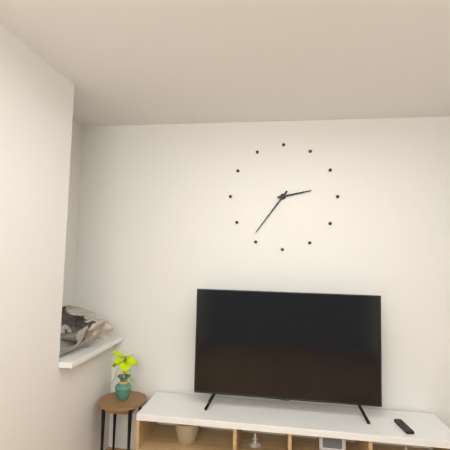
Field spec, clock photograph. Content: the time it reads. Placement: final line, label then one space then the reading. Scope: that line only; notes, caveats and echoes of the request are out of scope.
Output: 2:36
